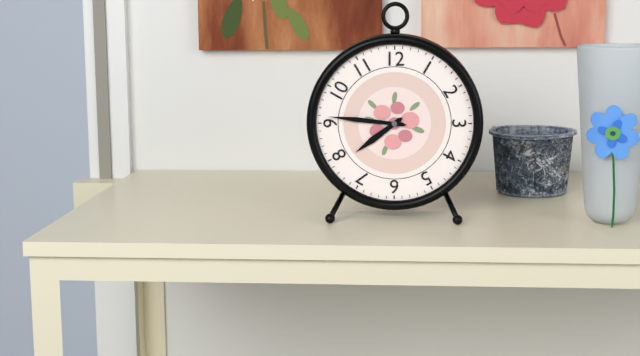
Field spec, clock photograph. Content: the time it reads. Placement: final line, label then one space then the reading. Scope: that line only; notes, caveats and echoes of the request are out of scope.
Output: 7:46
